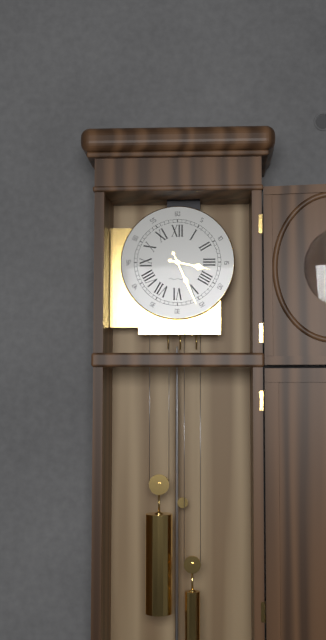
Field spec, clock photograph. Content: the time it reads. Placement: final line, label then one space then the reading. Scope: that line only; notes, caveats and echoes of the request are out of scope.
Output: 3:26
